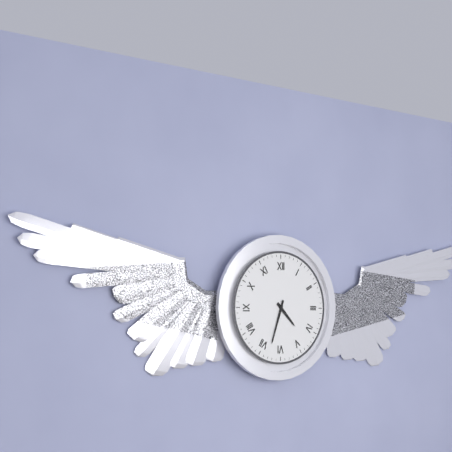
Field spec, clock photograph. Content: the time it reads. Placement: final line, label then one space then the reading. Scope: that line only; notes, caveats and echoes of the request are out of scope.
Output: 4:33
